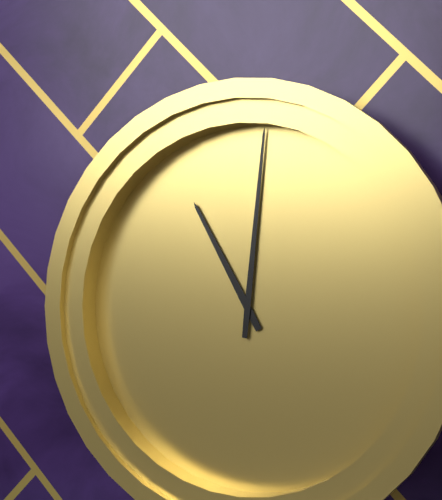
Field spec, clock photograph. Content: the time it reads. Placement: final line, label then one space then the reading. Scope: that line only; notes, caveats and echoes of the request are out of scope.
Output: 11:01
